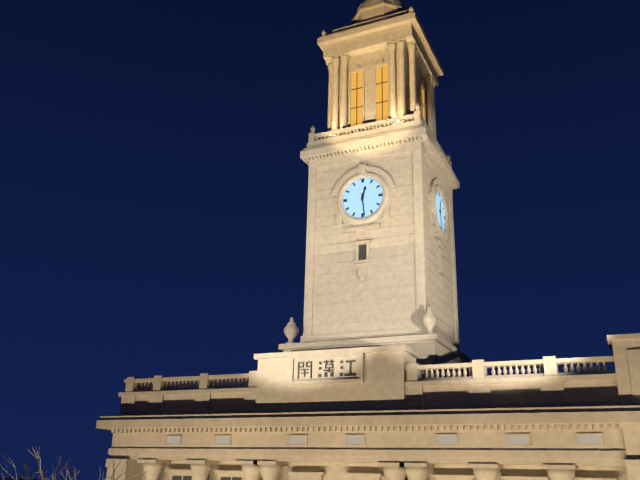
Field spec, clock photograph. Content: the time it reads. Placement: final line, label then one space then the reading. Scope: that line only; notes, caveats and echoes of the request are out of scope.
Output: 12:29
